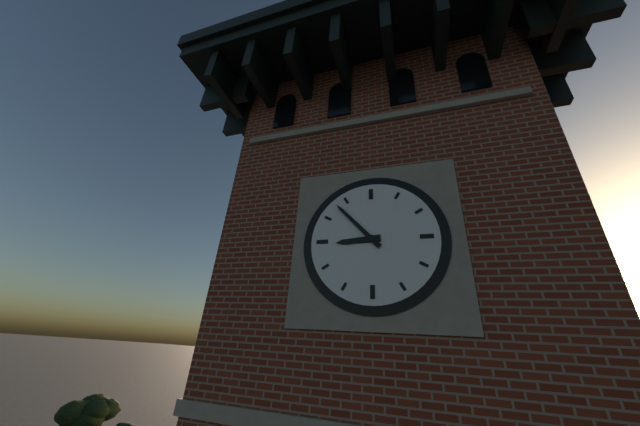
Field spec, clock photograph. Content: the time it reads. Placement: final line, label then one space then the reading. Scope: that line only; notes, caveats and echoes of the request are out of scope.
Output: 8:53
